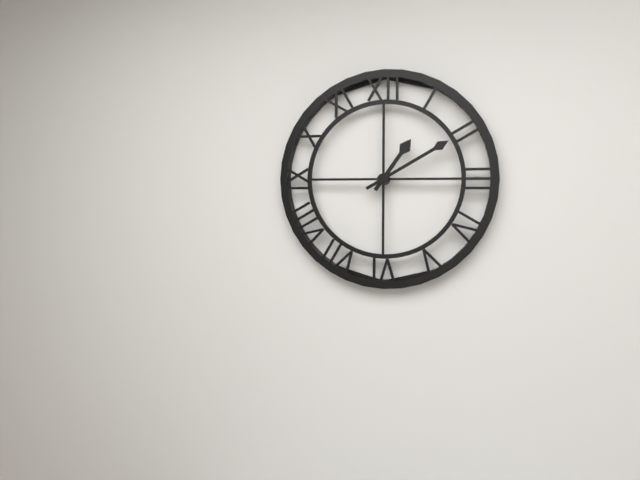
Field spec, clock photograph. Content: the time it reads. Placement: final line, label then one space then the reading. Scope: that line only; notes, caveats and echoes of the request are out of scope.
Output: 1:10
